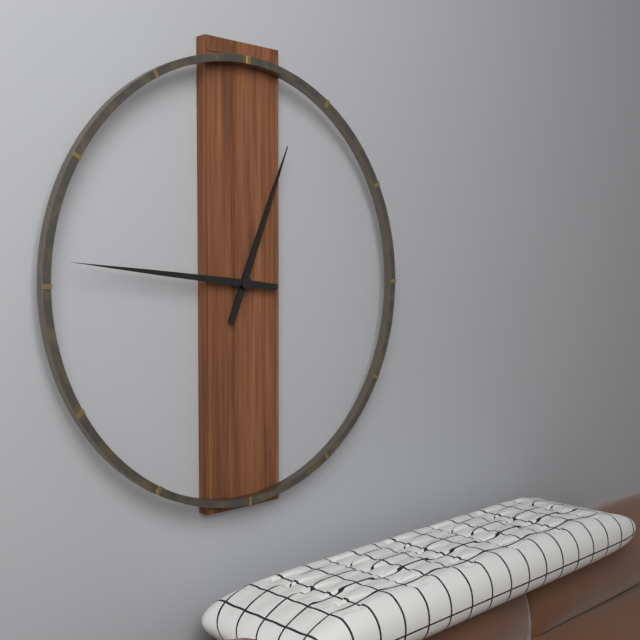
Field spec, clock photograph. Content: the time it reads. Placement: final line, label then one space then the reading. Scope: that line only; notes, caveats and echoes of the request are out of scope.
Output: 12:46
